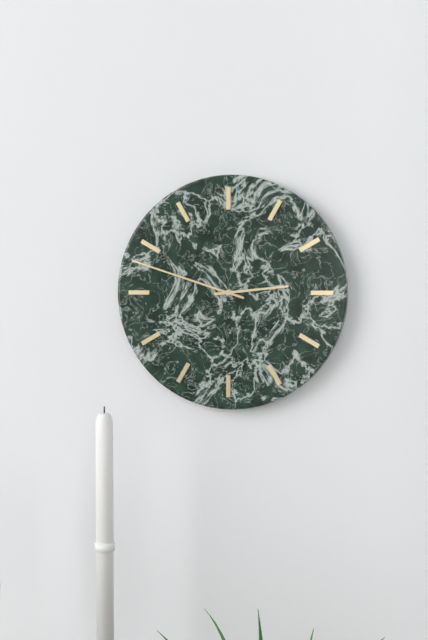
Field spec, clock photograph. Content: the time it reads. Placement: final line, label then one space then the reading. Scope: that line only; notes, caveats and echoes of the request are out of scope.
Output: 2:48
